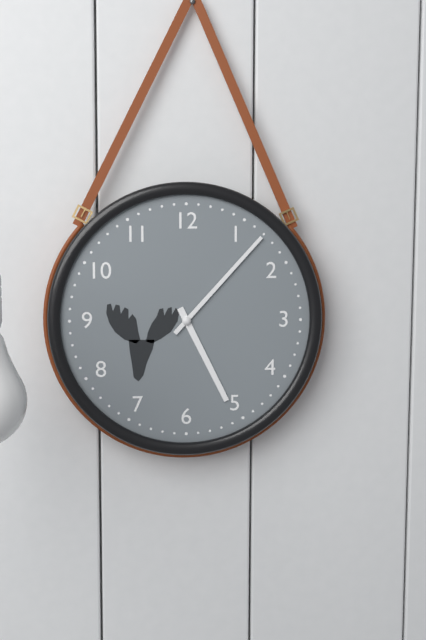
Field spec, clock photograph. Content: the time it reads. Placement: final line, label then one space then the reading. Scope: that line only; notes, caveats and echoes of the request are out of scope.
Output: 5:07
